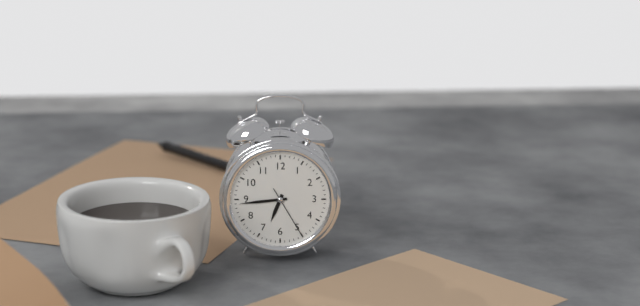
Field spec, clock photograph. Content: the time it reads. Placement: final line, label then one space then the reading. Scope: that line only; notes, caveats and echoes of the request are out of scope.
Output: 6:44:25
